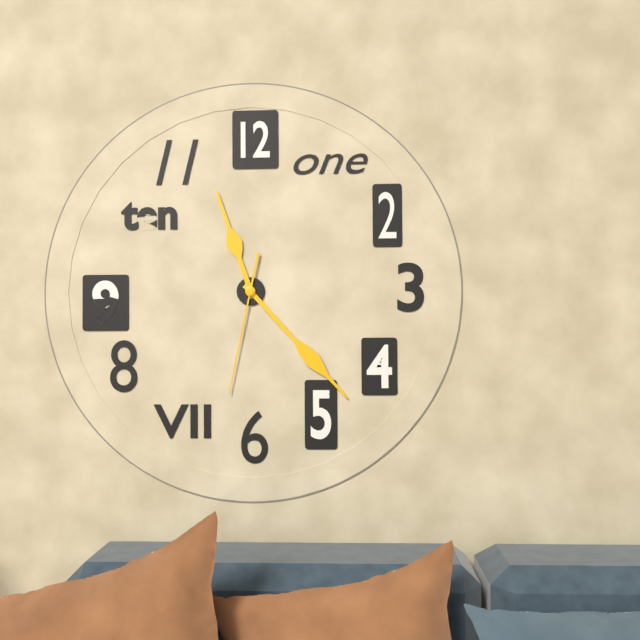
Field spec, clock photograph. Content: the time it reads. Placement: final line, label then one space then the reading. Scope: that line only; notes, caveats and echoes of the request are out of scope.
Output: 11:23:32
